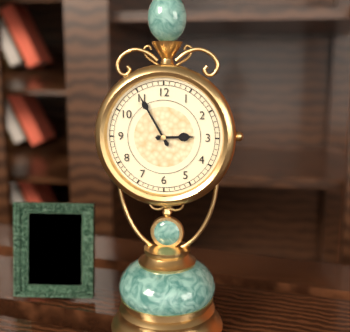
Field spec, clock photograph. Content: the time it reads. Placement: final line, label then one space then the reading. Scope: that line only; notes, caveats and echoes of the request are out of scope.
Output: 2:55
